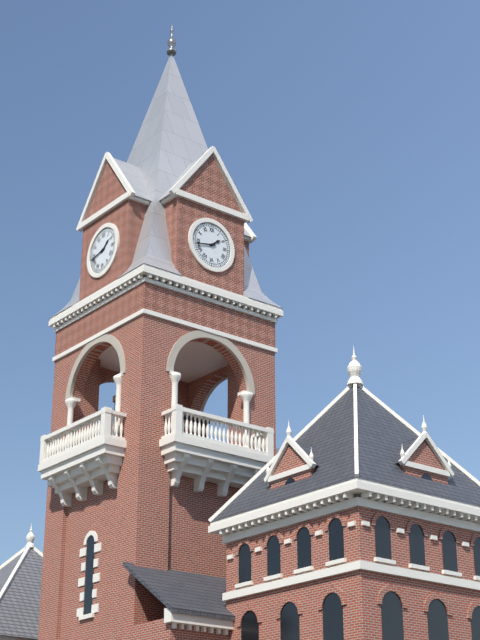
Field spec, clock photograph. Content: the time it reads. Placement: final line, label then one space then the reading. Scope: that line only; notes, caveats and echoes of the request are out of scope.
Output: 1:43
